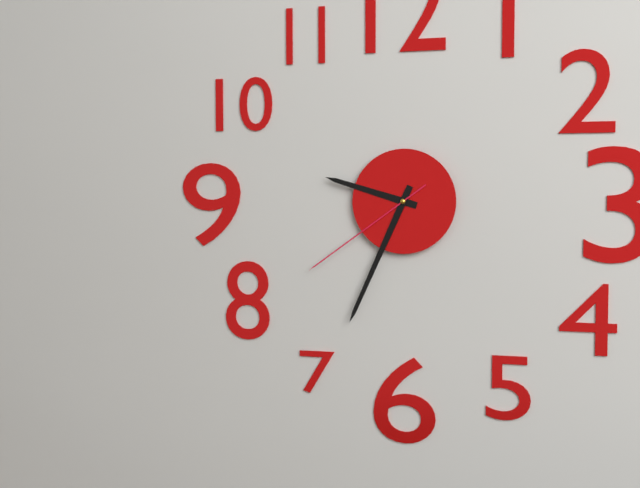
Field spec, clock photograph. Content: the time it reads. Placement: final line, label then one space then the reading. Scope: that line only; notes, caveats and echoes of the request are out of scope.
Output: 9:34:39
